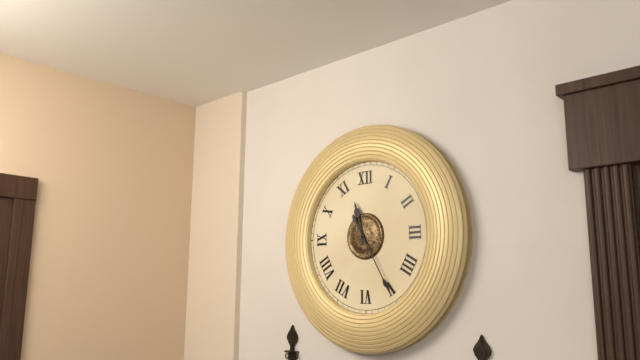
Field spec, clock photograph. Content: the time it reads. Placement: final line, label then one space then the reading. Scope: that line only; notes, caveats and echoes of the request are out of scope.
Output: 11:25
